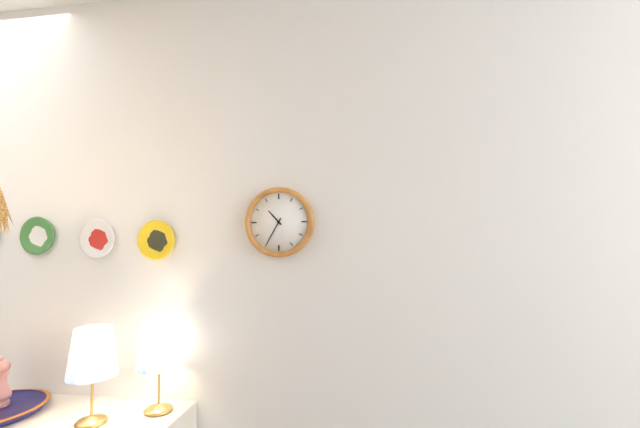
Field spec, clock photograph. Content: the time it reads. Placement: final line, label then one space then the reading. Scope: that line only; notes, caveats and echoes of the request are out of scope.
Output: 10:35
